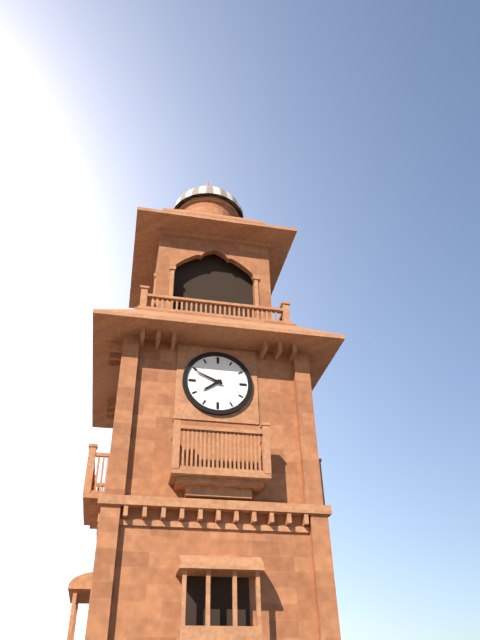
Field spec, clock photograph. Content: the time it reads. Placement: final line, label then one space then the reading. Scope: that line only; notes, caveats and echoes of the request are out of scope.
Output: 7:49
